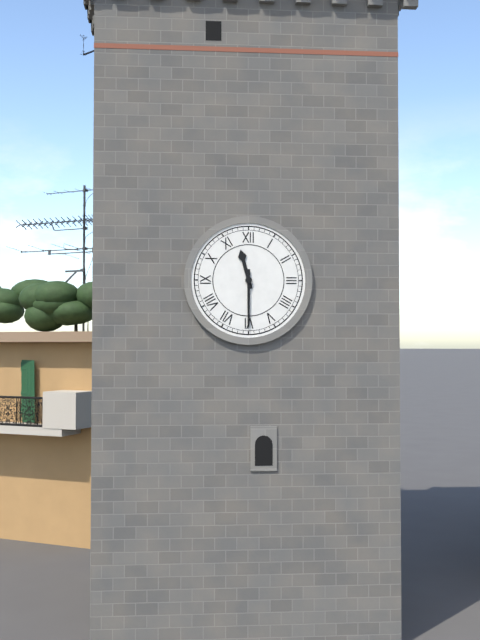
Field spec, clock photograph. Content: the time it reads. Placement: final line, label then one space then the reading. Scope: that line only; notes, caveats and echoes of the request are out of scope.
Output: 11:30
